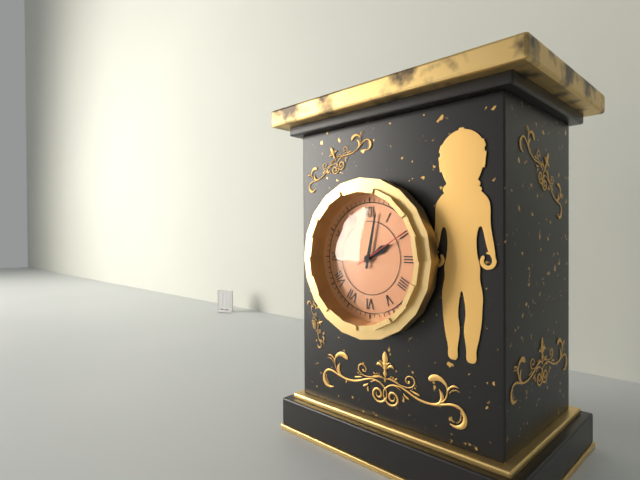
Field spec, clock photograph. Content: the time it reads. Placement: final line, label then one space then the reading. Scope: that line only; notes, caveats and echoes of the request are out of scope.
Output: 2:02:10
